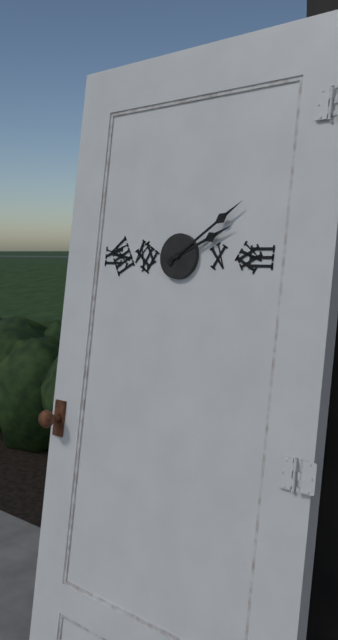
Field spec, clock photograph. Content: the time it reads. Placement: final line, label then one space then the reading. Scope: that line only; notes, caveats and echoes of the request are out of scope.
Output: 2:09
